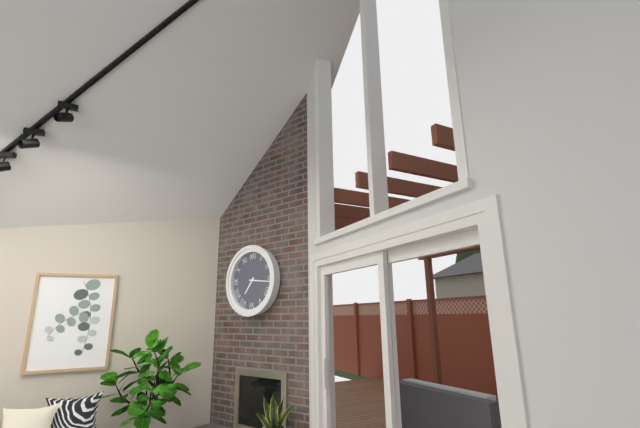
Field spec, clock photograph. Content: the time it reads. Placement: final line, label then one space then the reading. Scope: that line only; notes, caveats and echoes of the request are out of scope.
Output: 7:16
